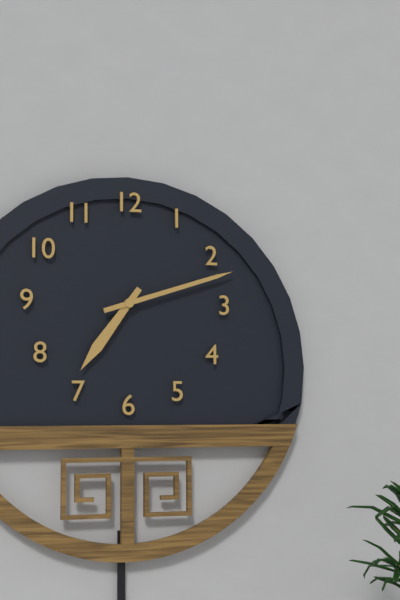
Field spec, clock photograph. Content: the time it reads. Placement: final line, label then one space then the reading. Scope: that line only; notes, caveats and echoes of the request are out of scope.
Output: 7:12
